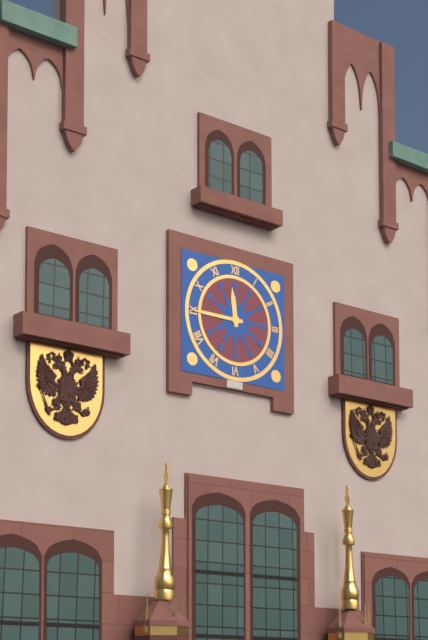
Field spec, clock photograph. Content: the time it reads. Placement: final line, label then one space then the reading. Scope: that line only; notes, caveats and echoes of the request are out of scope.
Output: 11:45
